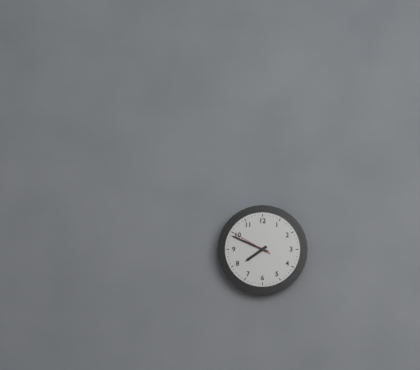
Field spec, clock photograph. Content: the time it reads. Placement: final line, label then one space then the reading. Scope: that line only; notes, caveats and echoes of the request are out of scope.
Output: 7:49
